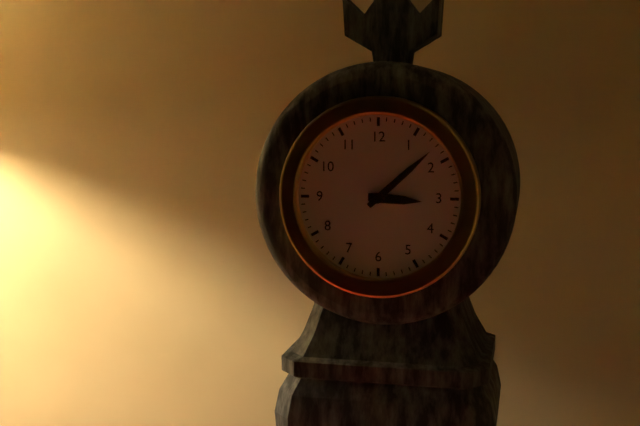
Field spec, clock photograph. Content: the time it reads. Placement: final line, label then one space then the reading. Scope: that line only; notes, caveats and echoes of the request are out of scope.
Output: 3:08
